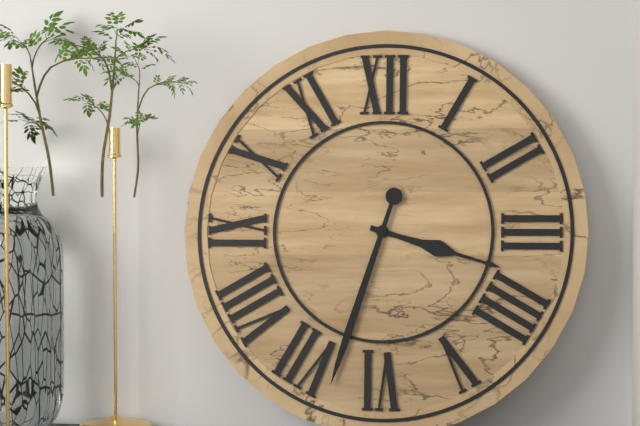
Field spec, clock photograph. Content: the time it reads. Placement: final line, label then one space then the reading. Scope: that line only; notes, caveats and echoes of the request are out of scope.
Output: 3:33
